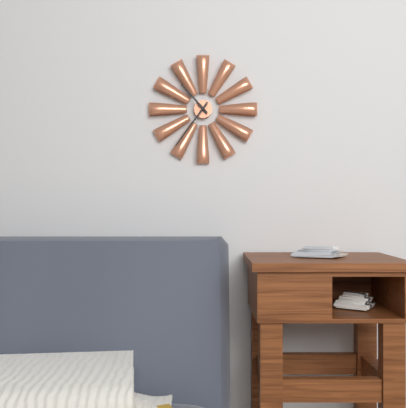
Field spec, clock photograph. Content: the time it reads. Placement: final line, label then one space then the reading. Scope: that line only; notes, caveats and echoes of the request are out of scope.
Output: 10:36
